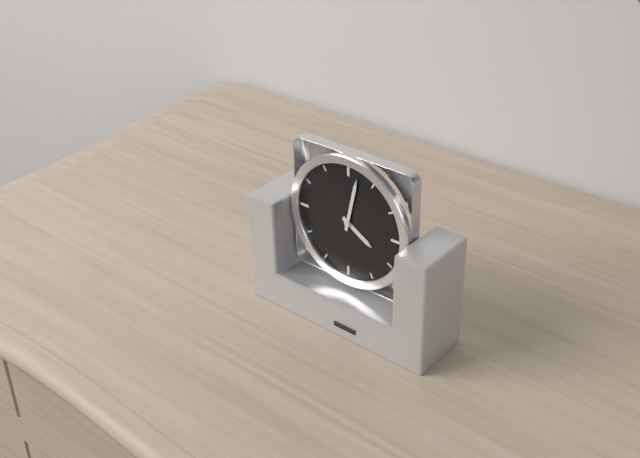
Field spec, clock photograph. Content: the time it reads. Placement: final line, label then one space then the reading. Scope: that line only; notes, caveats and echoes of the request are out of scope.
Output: 4:02
